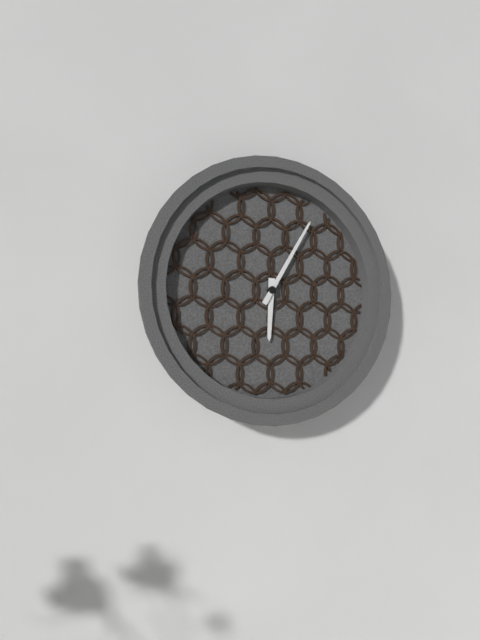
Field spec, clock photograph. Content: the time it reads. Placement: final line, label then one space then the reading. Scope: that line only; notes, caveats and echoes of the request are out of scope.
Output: 6:05
